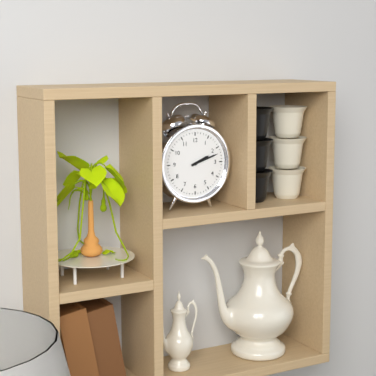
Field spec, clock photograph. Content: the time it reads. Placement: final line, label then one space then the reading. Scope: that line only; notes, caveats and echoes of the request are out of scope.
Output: 2:12
